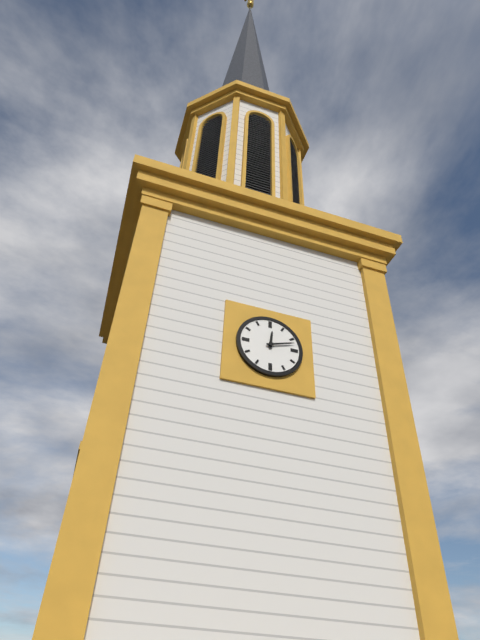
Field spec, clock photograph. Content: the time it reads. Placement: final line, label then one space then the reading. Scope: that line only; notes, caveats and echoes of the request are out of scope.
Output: 12:12
